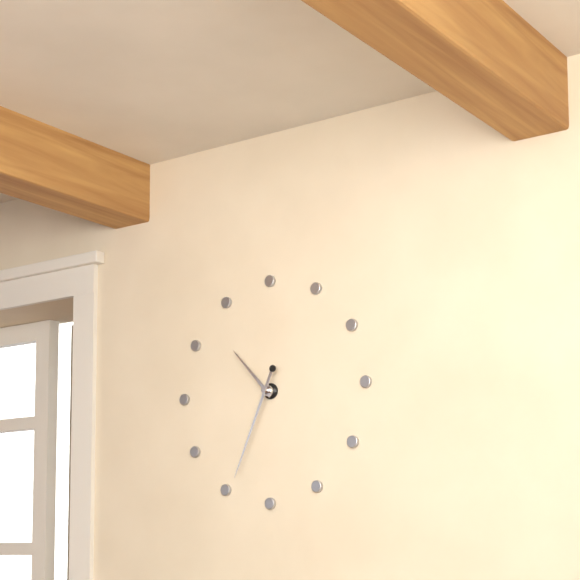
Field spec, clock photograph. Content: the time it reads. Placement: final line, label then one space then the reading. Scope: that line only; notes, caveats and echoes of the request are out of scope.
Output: 10:34
